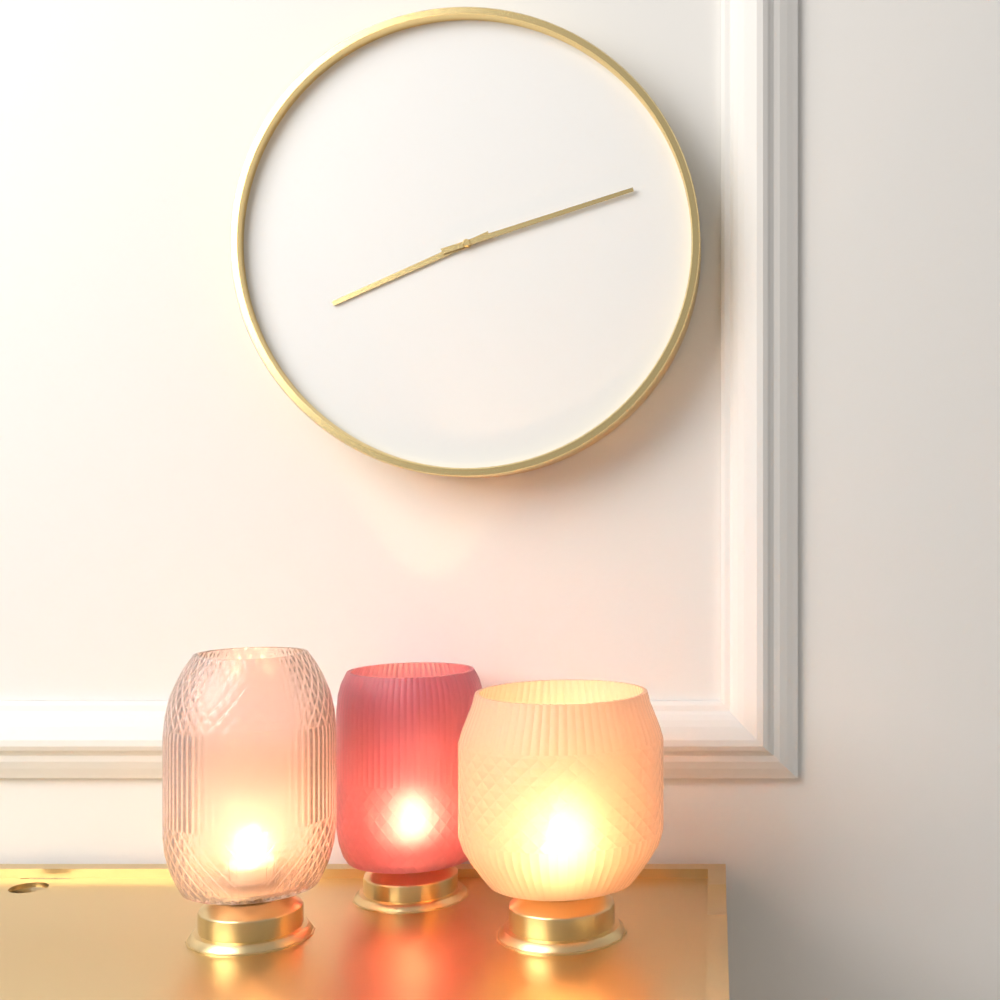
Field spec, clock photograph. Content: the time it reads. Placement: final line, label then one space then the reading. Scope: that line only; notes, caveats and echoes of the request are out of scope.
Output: 8:12
